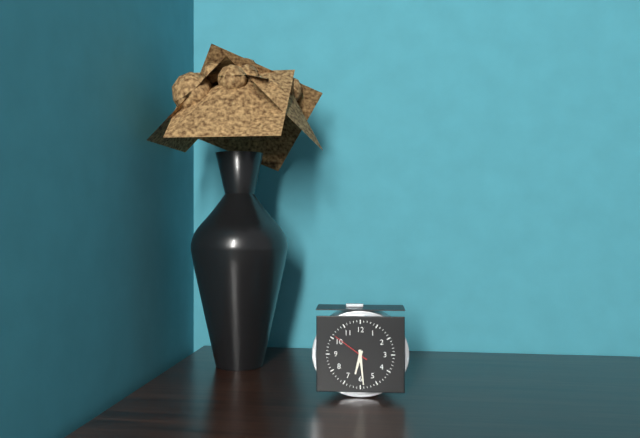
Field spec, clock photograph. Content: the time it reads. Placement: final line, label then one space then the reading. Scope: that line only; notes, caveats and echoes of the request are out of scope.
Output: 6:29
